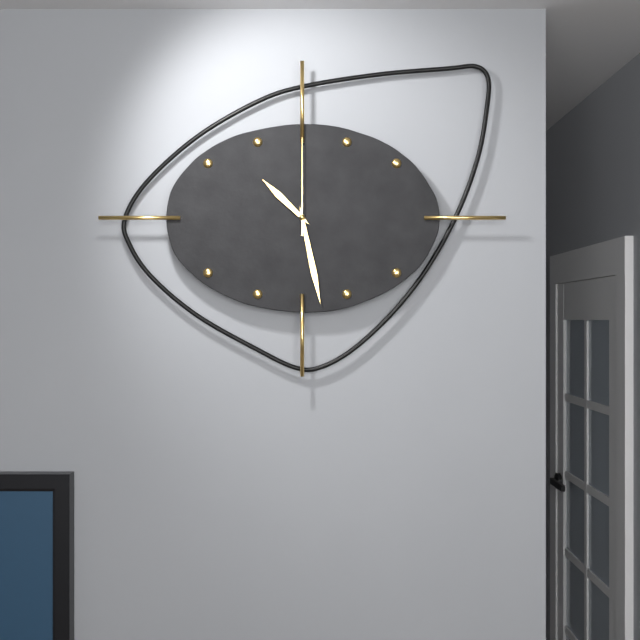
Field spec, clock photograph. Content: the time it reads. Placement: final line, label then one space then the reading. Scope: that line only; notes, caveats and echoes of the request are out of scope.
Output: 10:28:00
